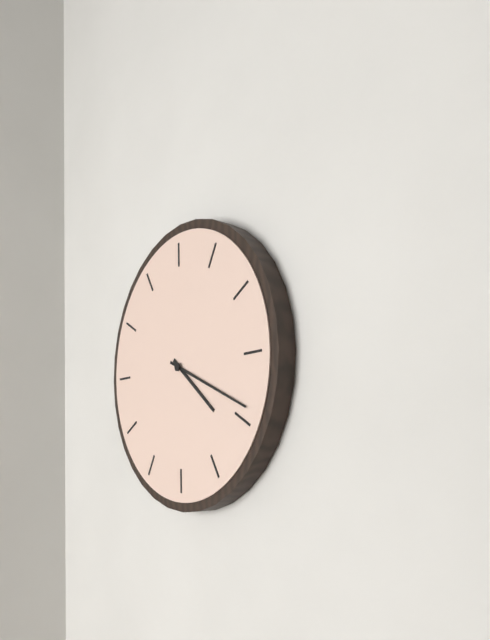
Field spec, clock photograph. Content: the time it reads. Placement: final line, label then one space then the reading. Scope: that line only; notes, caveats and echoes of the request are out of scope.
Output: 4:19
